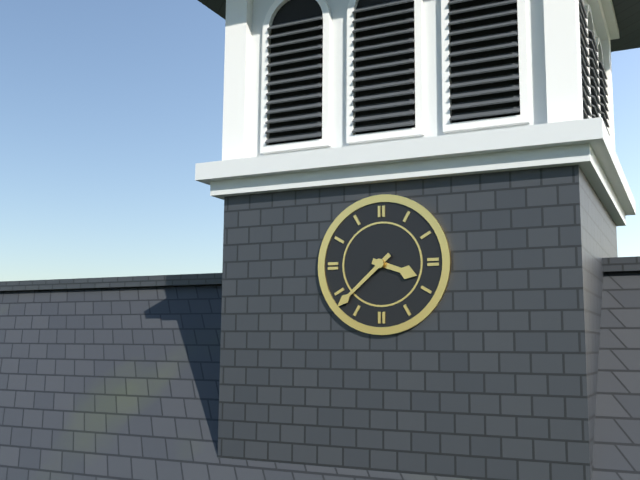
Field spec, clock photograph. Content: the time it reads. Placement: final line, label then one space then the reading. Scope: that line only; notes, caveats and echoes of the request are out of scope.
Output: 3:38
